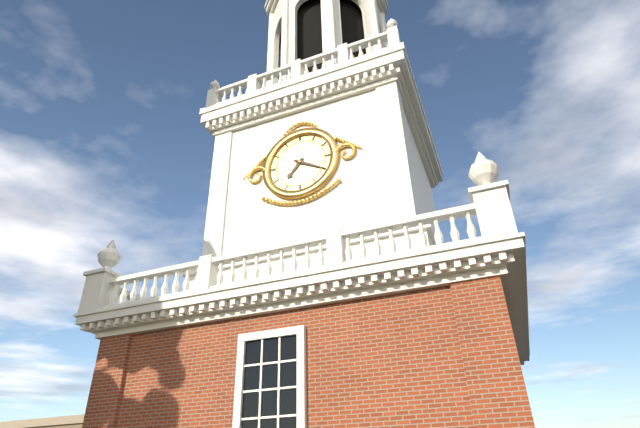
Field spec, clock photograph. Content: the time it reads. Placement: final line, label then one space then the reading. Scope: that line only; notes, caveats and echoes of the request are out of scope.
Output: 7:20
